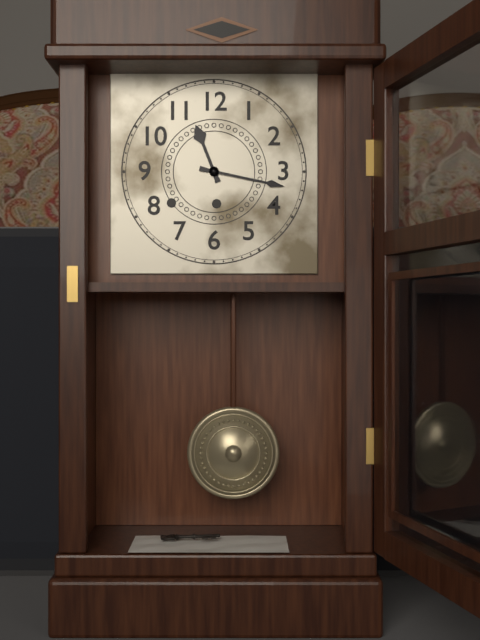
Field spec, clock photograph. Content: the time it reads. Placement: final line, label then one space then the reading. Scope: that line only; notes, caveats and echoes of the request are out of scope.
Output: 11:17
